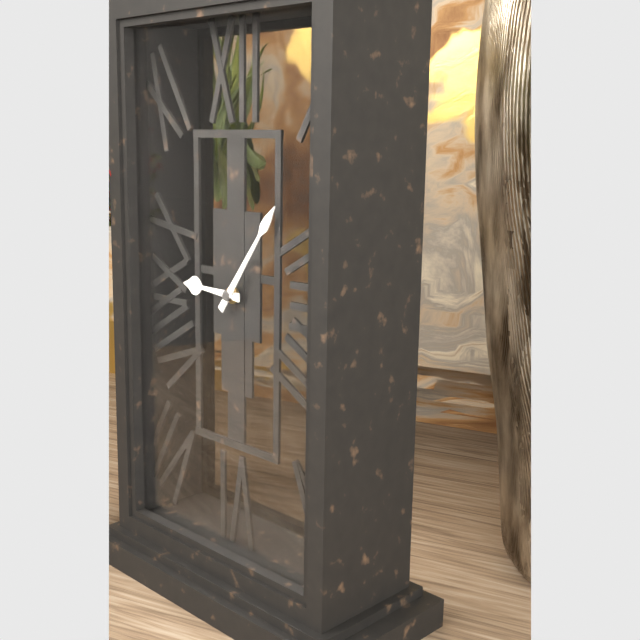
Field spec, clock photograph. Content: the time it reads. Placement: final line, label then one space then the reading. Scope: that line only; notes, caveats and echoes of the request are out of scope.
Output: 9:06
